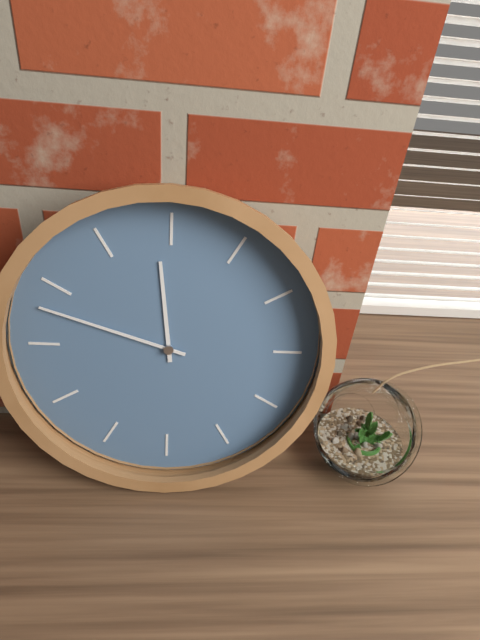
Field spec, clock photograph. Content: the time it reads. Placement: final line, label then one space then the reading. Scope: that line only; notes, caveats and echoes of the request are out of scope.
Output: 11:48
